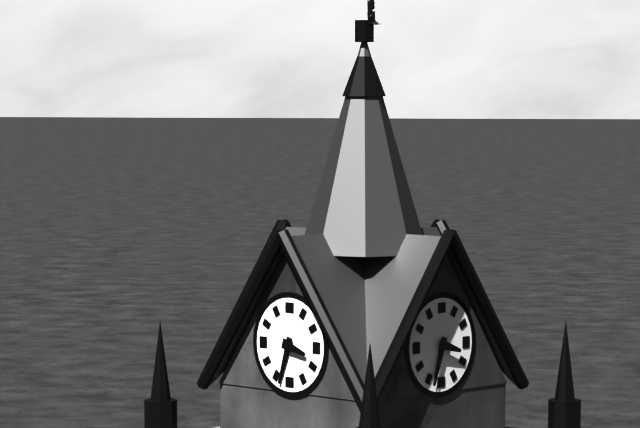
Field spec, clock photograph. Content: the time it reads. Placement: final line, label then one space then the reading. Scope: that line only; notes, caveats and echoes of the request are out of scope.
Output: 3:33
